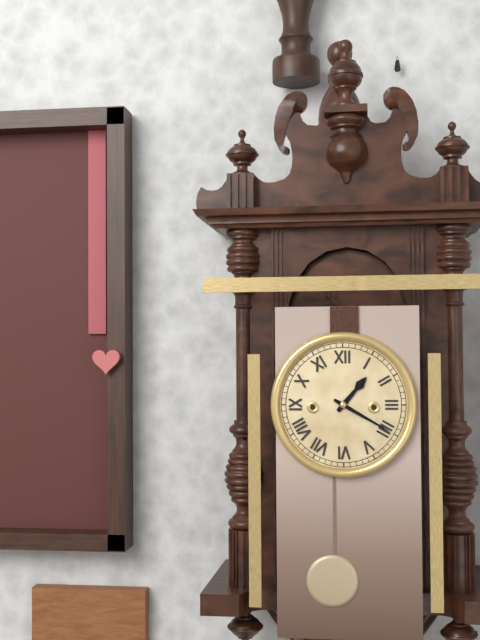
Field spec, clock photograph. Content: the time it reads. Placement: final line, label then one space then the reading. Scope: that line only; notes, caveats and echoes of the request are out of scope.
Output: 1:20
